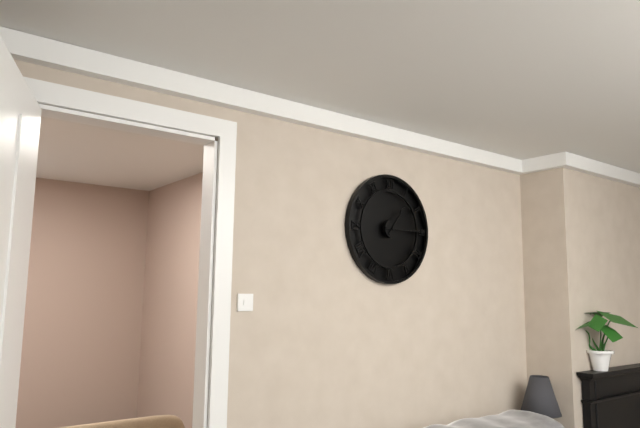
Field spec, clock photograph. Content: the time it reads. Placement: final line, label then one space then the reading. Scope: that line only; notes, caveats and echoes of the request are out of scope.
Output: 1:15
